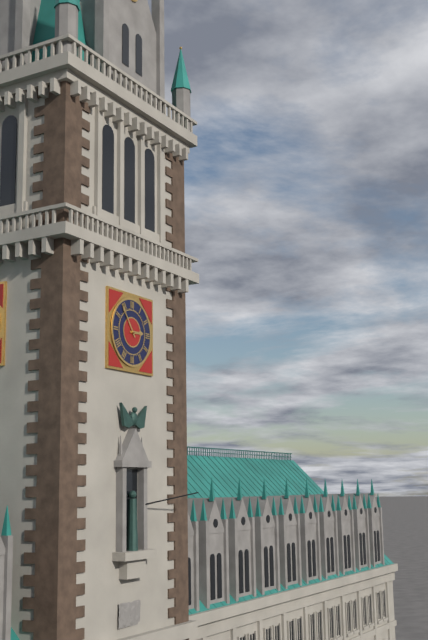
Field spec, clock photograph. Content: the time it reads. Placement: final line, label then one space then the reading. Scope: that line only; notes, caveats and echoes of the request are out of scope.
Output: 2:54
